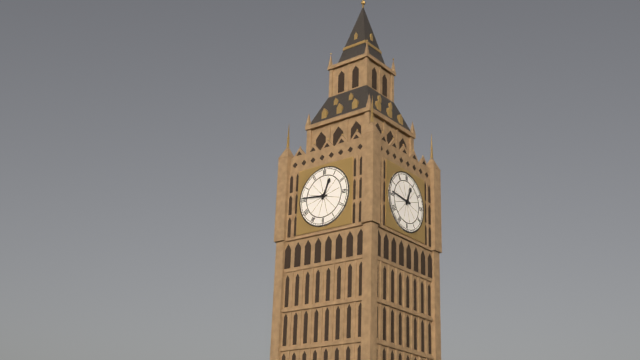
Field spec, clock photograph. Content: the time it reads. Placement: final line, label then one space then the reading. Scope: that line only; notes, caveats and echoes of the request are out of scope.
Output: 12:46
